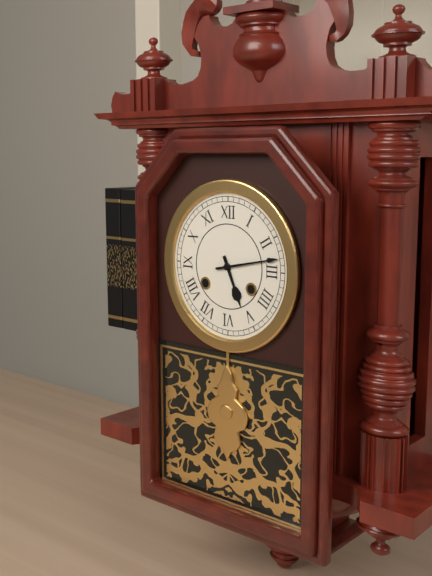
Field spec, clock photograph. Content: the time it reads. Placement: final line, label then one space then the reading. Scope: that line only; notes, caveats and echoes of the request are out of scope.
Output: 5:13
